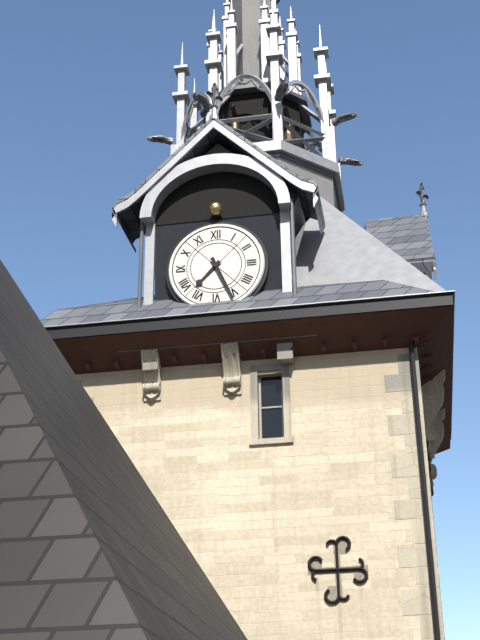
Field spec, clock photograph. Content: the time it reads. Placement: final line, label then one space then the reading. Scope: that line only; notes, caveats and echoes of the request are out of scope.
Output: 7:26
